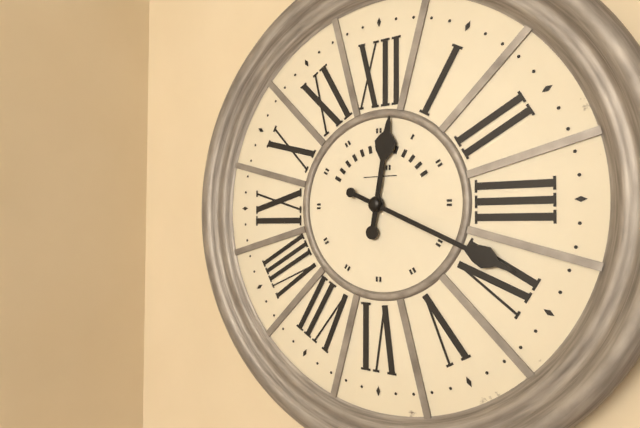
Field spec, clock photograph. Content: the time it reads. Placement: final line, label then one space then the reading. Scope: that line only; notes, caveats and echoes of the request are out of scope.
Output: 12:19
